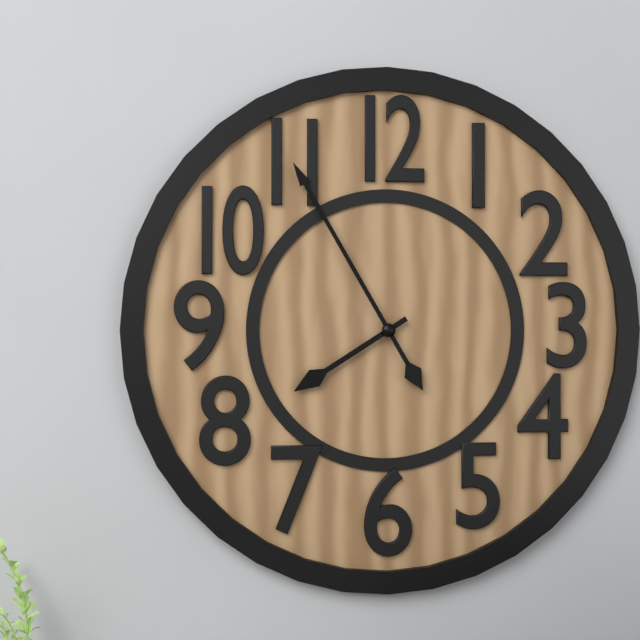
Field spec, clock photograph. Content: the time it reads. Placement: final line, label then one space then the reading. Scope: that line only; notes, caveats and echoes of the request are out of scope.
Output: 7:55
